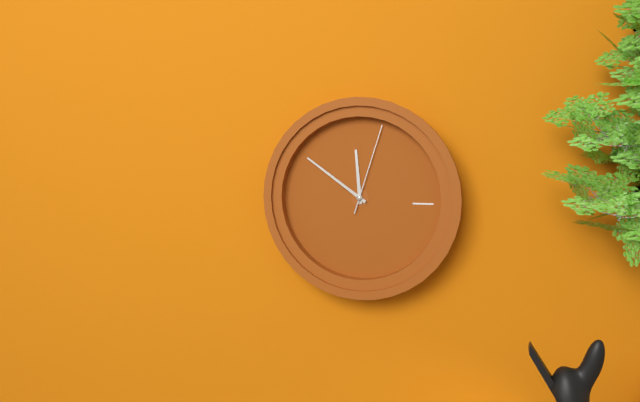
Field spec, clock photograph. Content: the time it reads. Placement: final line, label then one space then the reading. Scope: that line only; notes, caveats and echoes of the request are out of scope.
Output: 11:51:03
